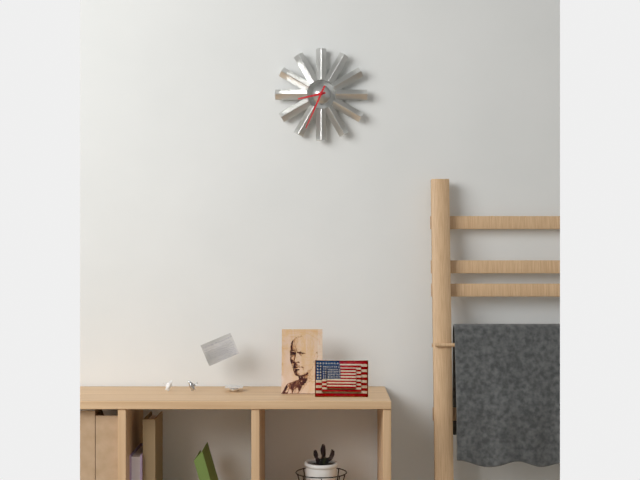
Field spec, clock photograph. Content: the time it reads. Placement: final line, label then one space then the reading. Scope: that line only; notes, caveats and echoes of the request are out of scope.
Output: 8:34
